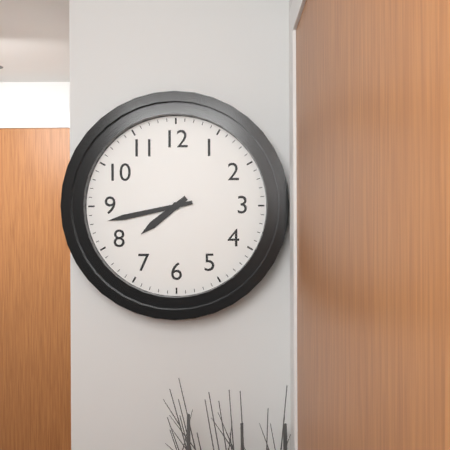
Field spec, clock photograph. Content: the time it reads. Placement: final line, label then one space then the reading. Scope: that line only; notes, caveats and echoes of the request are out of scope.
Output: 7:43
